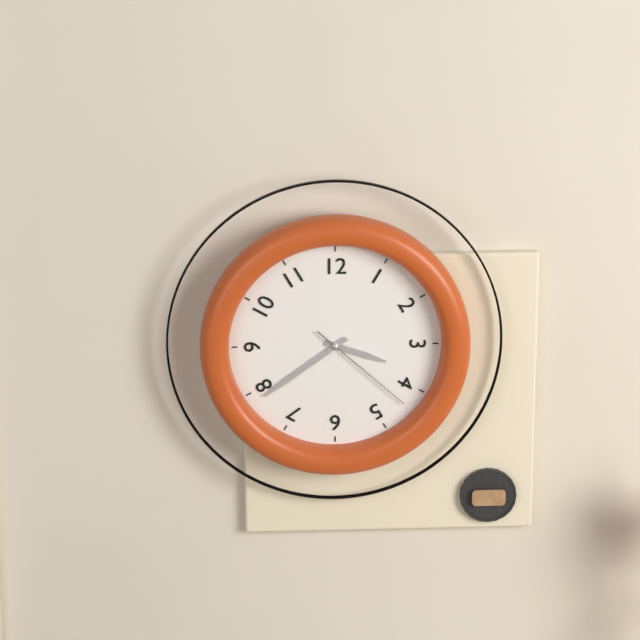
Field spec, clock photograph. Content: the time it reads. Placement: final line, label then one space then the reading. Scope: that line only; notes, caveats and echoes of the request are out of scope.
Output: 3:39:22
